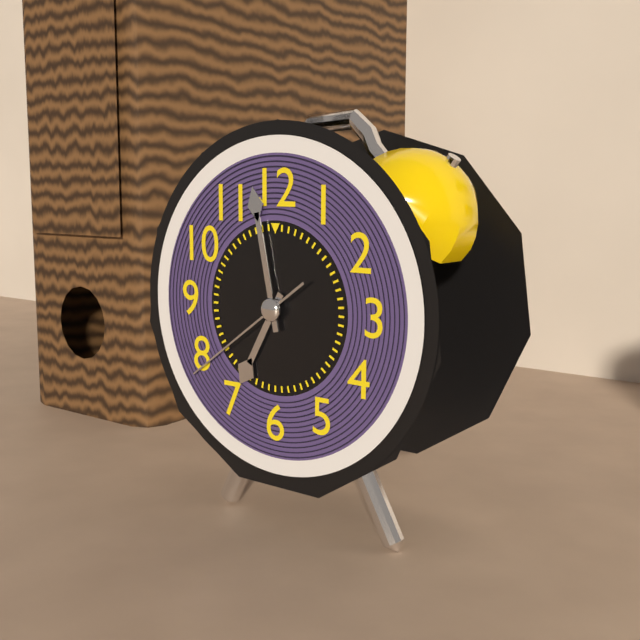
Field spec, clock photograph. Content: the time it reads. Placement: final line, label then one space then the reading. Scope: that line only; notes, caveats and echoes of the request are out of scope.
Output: 6:58:39
